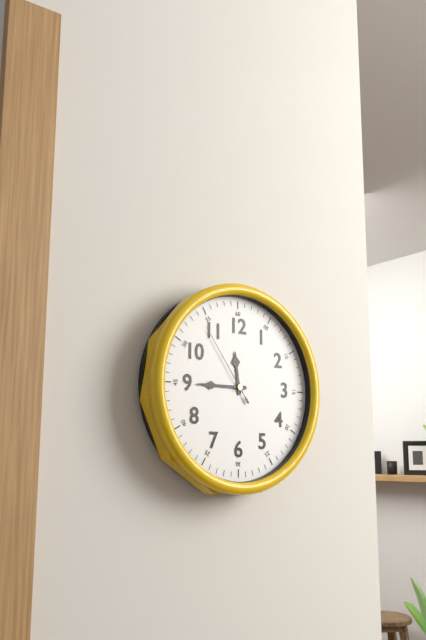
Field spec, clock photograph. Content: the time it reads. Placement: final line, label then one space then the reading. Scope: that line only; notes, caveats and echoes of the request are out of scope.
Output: 11:45:54
